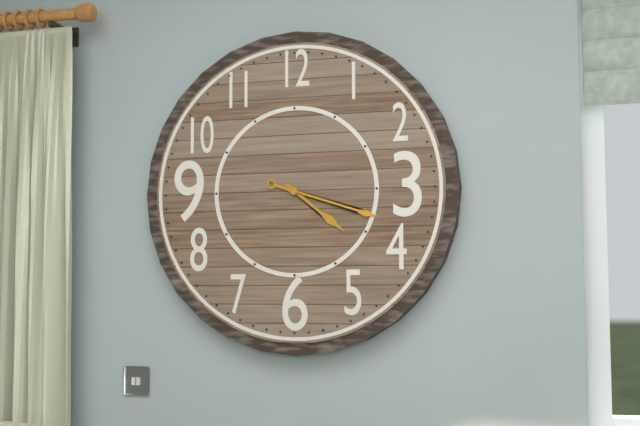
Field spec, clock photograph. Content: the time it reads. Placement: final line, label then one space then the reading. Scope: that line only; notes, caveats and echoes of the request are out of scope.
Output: 4:18
